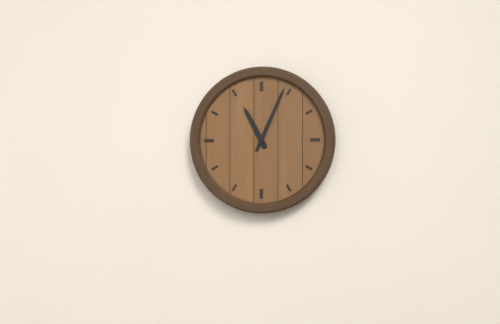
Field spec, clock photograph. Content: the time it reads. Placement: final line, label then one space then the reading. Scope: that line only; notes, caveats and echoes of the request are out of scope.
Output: 11:04
